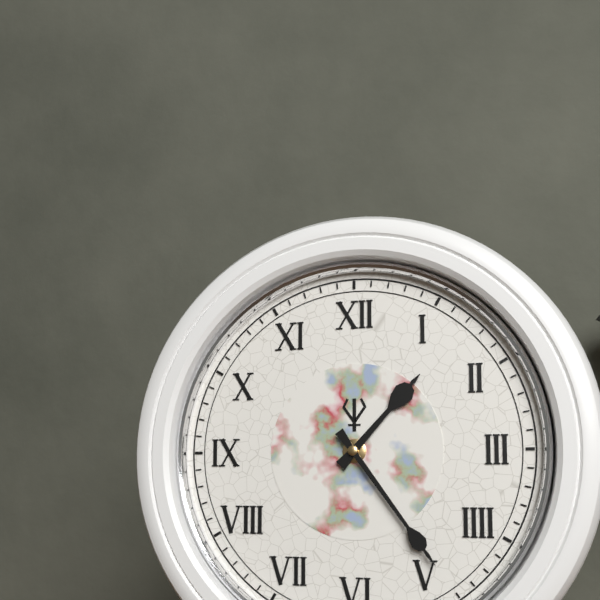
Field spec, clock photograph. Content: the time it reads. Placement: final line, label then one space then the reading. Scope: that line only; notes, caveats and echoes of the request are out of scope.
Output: 1:24
